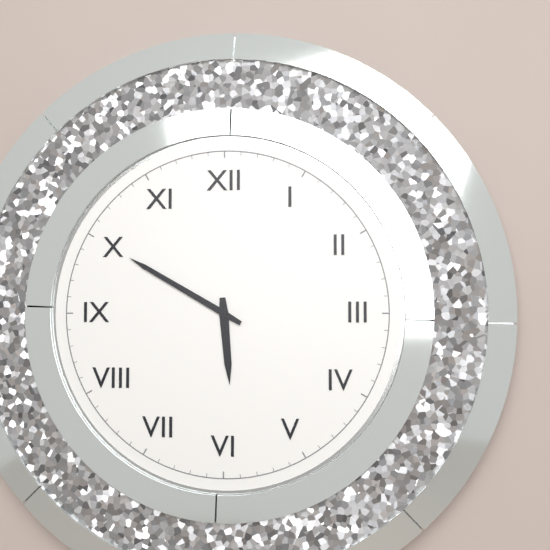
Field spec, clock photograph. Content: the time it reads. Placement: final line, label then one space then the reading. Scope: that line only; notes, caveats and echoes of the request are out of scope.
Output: 5:50
